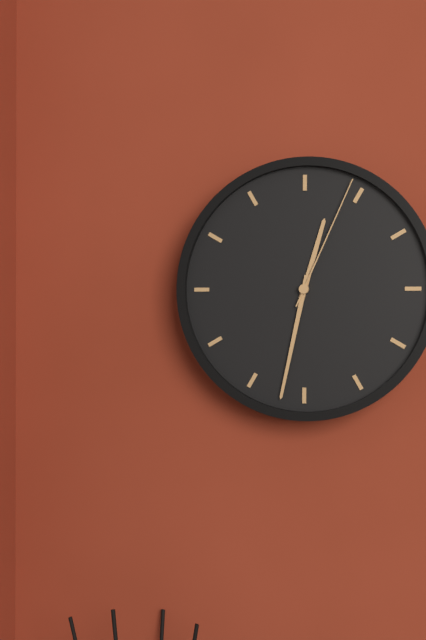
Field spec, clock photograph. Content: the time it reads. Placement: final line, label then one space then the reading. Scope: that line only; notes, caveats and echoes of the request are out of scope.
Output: 12:32:04
